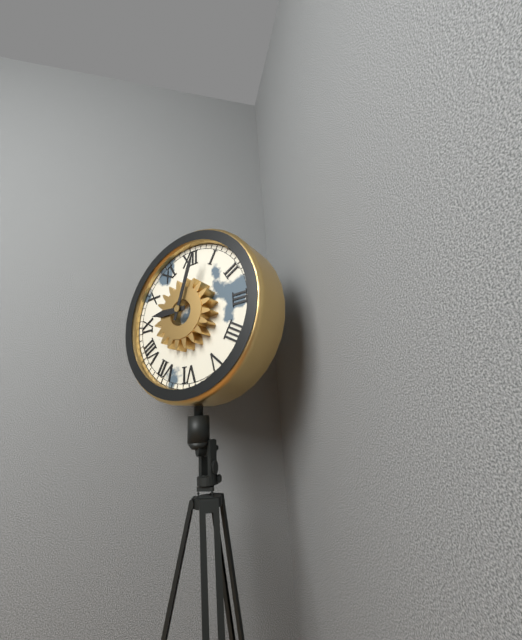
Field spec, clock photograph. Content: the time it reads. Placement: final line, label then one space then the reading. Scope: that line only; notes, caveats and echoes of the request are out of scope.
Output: 9:03
